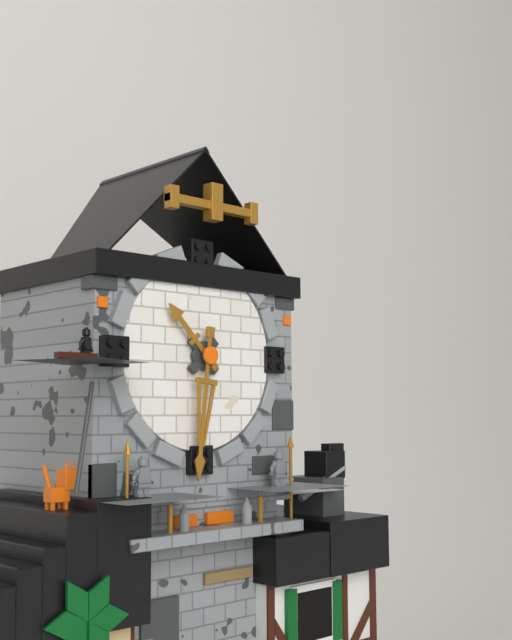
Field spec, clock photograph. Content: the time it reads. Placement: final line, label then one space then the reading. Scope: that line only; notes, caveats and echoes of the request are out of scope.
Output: 10:31
